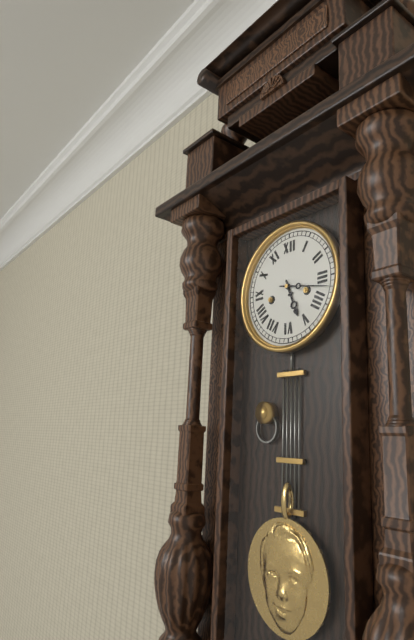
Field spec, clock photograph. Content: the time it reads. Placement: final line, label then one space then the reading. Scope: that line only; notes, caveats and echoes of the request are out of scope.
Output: 5:17
